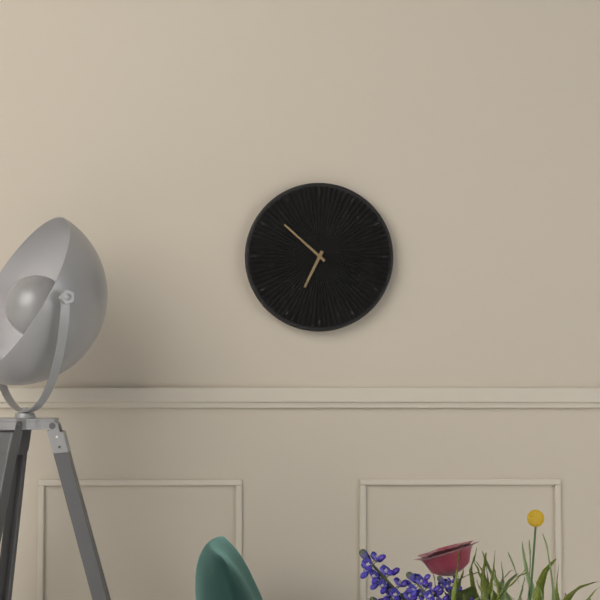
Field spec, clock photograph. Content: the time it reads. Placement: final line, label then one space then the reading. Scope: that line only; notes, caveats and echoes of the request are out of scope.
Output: 6:52
